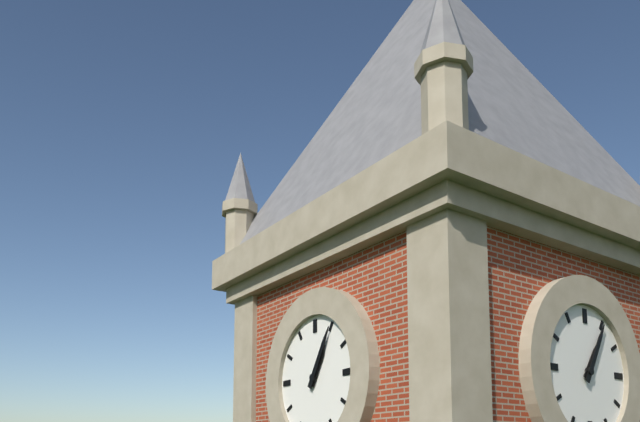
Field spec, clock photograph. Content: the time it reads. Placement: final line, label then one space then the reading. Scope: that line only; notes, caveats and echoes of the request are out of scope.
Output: 1:05
